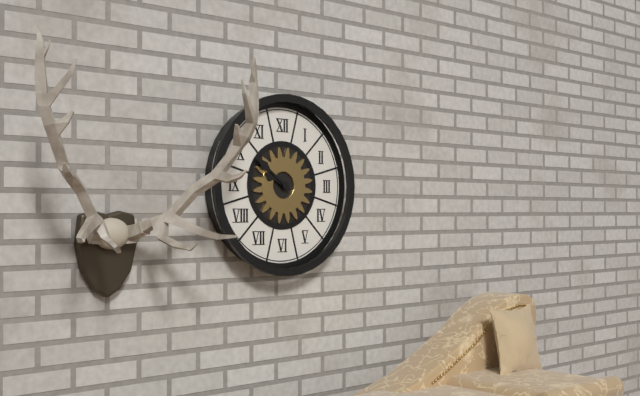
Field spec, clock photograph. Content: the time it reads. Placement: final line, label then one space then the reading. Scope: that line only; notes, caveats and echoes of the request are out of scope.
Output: 9:51
